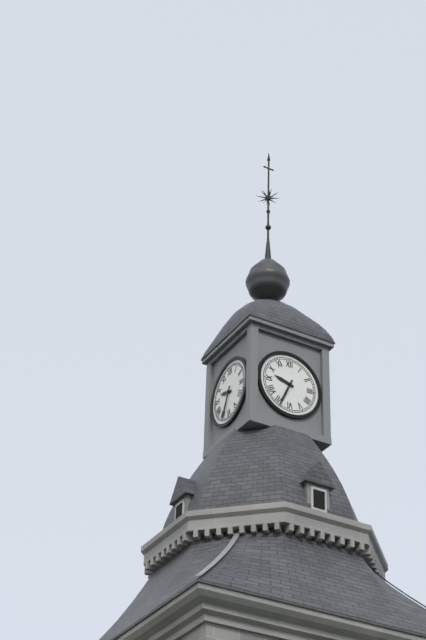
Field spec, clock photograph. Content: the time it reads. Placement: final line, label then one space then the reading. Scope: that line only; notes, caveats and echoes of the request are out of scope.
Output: 9:34
